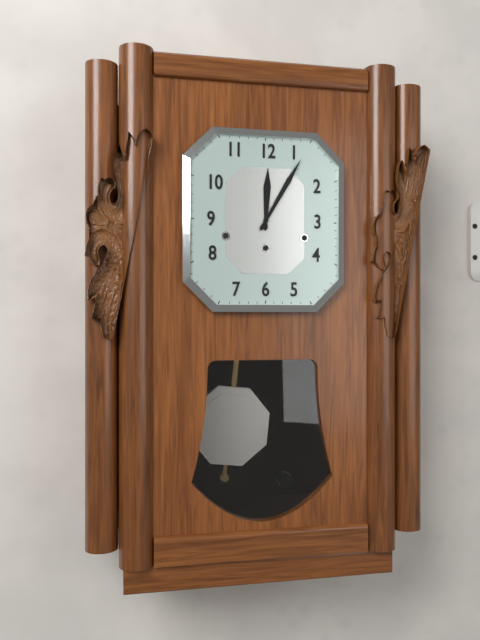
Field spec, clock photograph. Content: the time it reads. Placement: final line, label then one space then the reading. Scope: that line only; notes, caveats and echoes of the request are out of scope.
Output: 12:05
